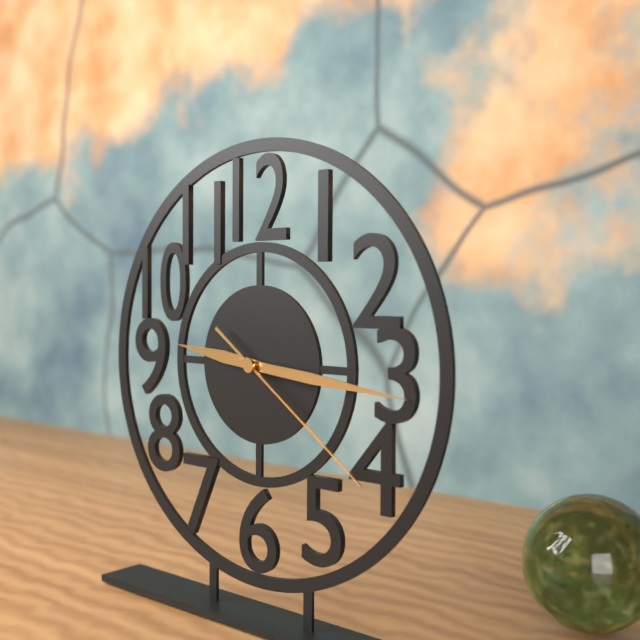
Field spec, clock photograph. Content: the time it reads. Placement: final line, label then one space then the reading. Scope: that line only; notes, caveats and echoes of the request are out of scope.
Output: 9:16:21
